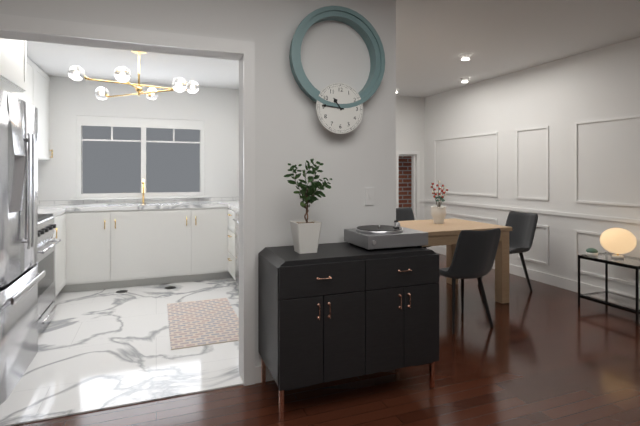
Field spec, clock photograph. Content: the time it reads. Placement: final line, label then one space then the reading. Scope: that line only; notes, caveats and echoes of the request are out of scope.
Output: 10:46
